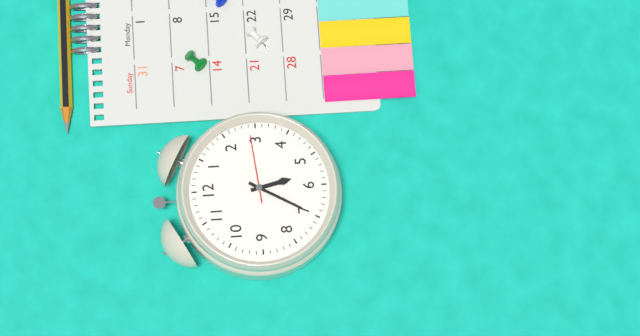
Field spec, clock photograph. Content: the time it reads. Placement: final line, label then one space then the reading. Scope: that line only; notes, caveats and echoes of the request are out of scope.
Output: 5:35:14
